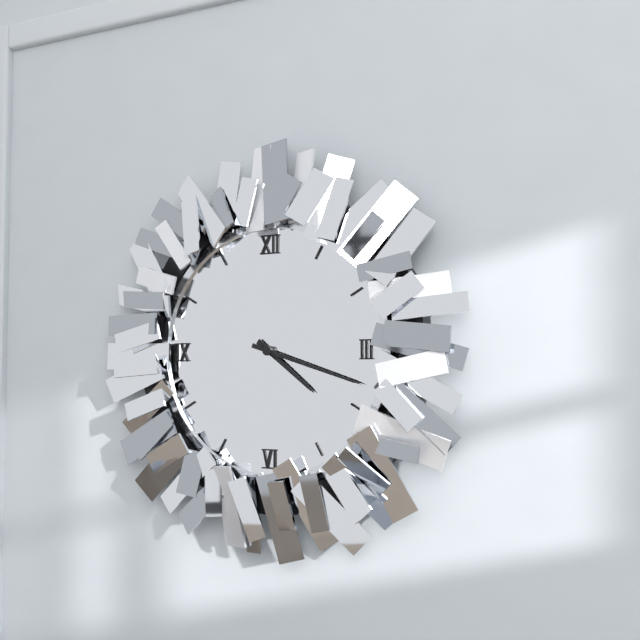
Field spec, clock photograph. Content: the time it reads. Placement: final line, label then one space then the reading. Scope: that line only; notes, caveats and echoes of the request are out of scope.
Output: 4:18
